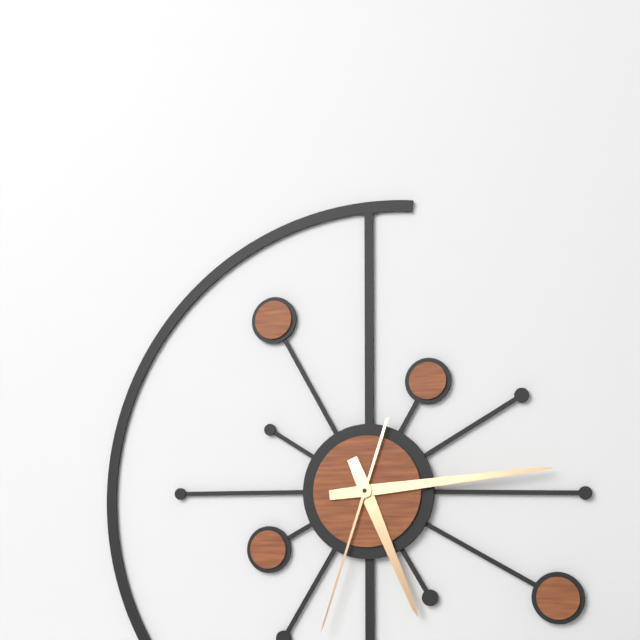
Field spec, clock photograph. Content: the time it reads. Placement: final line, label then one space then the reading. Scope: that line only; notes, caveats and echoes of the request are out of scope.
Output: 5:14:33
